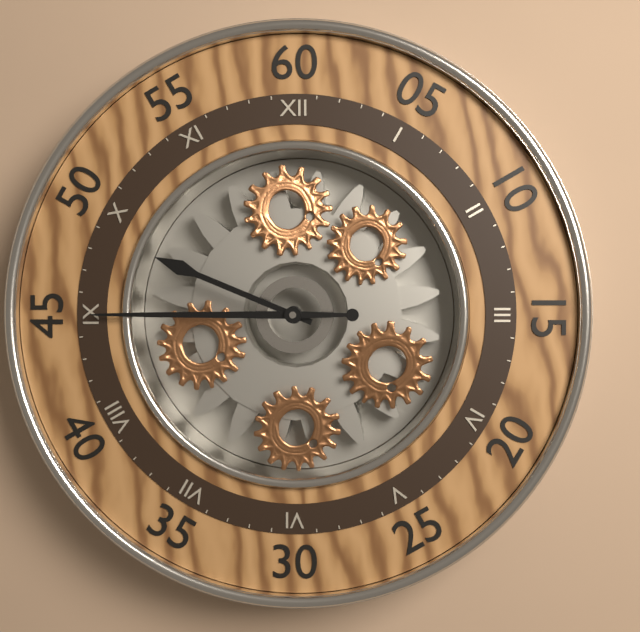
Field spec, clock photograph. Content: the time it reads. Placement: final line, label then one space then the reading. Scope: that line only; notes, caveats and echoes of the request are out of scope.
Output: 9:45
